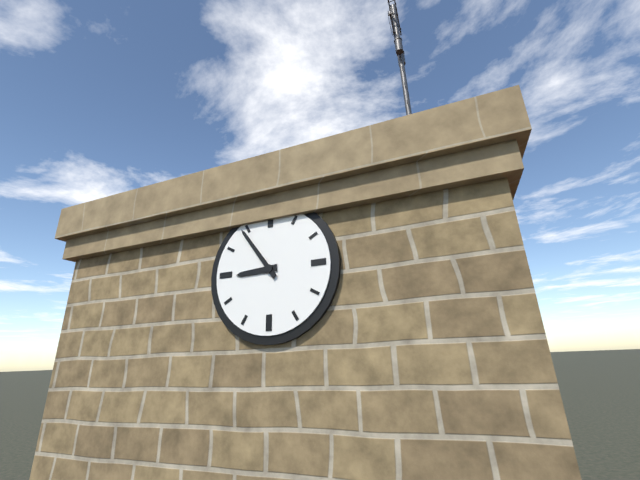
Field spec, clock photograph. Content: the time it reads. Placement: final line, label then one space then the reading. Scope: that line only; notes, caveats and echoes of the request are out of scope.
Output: 8:54
